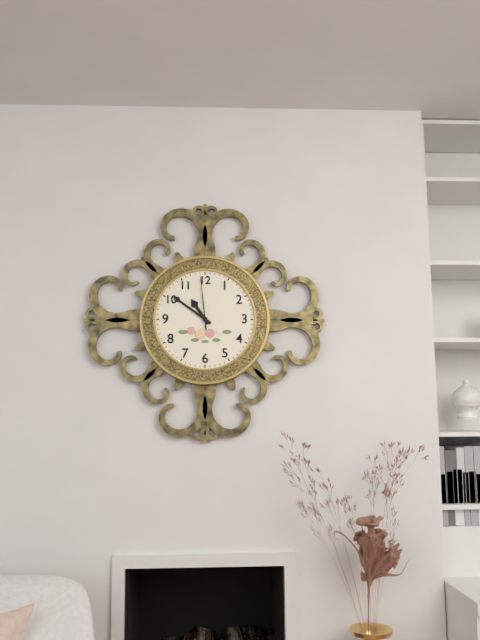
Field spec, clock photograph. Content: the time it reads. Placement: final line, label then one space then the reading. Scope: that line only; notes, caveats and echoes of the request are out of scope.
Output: 10:51:59
